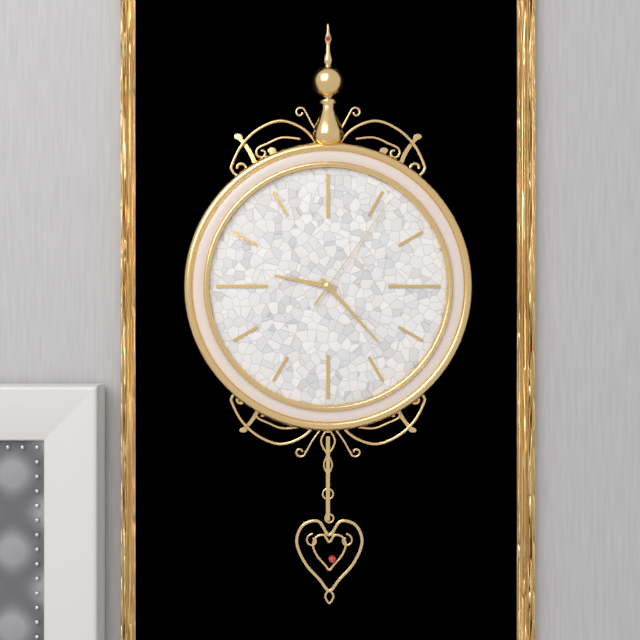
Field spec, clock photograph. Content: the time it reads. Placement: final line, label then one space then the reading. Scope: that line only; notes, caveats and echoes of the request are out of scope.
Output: 9:23:06
